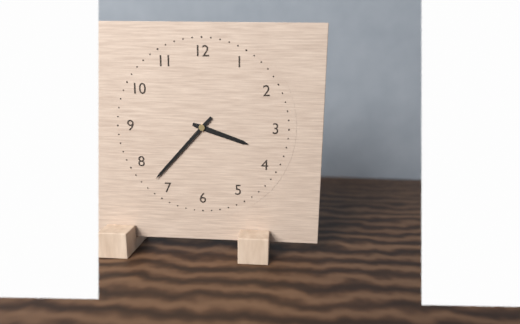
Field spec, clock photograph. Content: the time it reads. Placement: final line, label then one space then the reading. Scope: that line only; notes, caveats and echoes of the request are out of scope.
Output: 3:37
